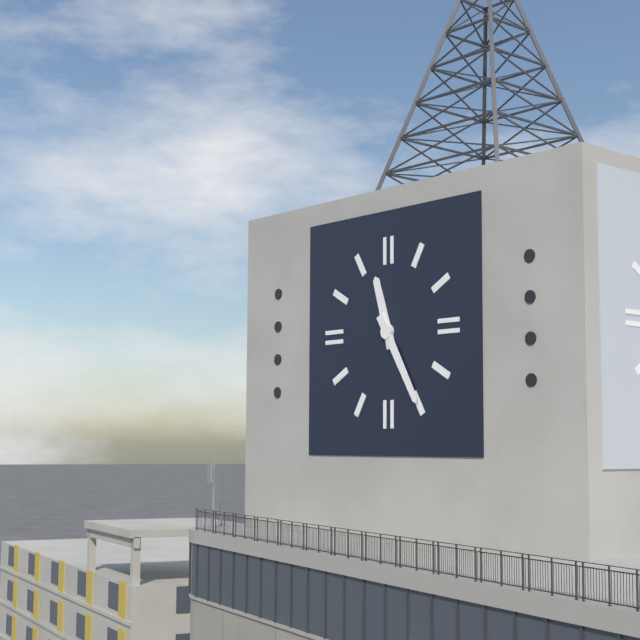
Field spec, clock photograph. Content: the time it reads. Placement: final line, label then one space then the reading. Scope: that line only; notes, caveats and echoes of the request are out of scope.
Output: 11:25
